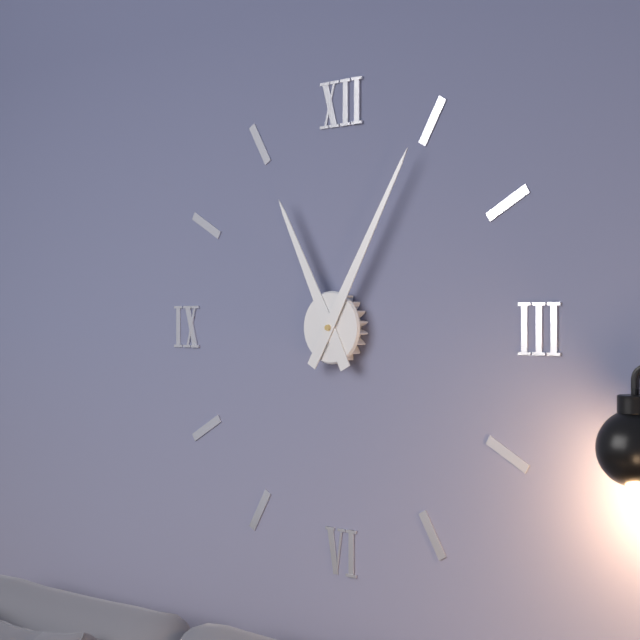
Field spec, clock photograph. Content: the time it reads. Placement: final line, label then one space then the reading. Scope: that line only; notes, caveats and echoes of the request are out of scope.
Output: 11:05
